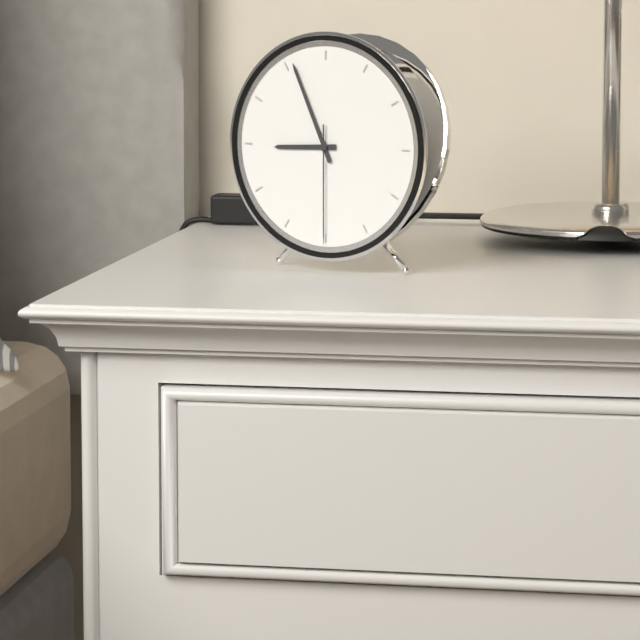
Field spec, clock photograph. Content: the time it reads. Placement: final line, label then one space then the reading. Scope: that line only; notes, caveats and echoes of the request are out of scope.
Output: 8:56:30
